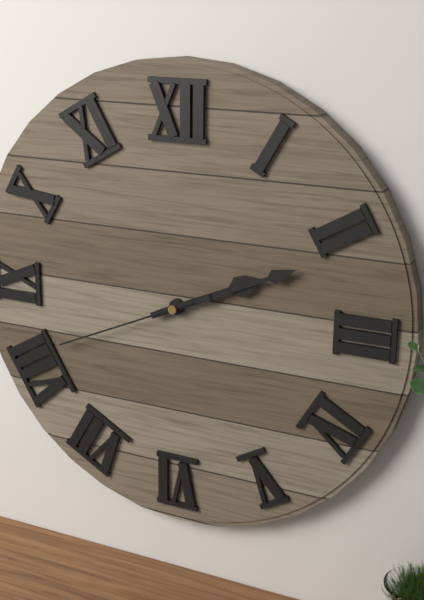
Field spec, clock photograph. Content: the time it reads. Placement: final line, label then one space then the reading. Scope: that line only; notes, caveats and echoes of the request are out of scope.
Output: 2:11:41
